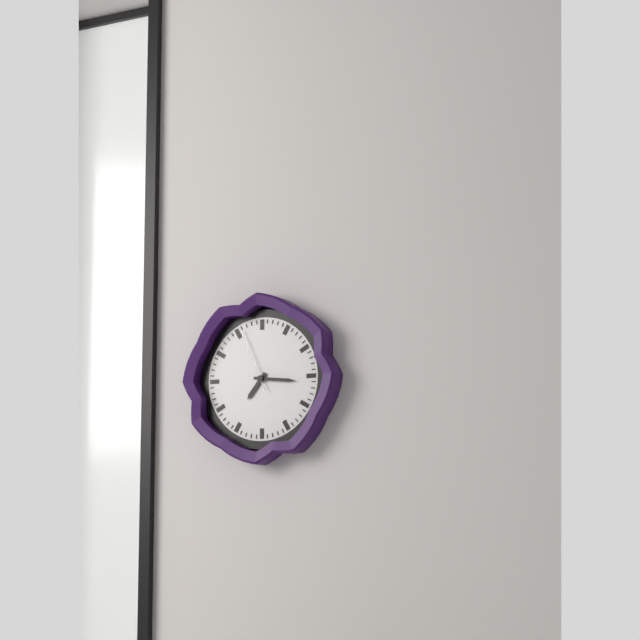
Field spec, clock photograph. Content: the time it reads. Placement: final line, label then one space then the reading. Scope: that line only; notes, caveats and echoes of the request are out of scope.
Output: 7:16:56
